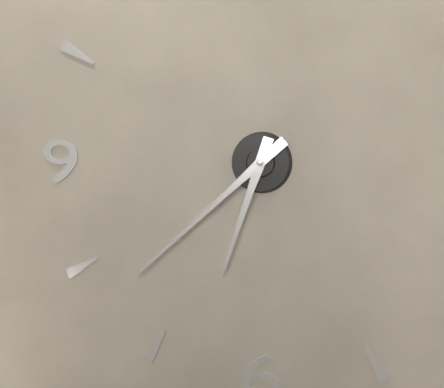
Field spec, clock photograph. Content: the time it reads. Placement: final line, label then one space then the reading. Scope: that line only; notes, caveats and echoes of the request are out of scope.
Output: 6:38
